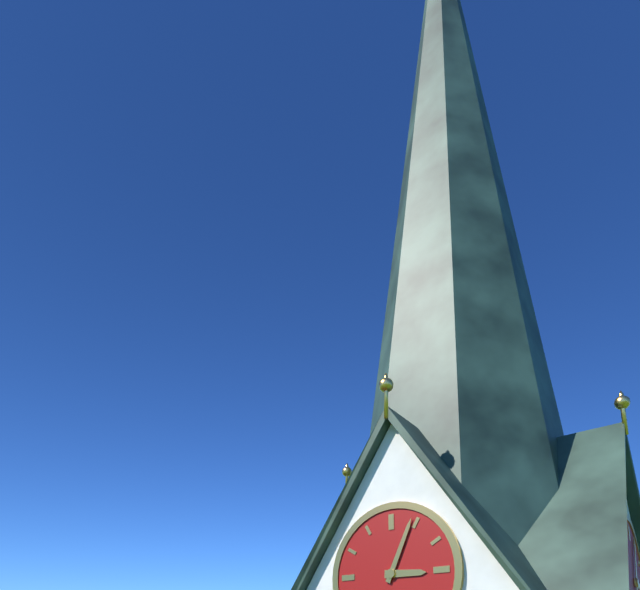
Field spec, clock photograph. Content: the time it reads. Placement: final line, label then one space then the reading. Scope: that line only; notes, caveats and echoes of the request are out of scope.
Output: 3:04
